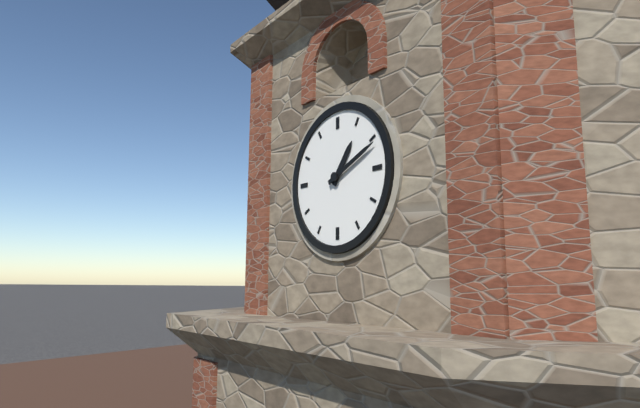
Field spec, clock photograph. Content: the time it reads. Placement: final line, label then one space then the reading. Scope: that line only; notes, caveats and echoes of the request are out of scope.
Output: 1:11
